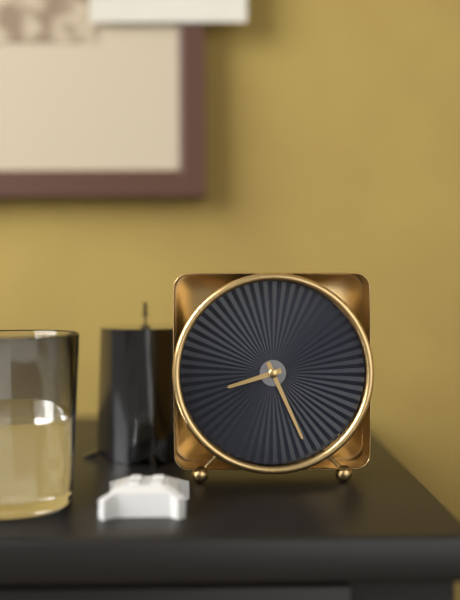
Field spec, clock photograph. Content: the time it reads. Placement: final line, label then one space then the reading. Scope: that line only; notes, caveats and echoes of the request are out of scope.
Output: 8:26
